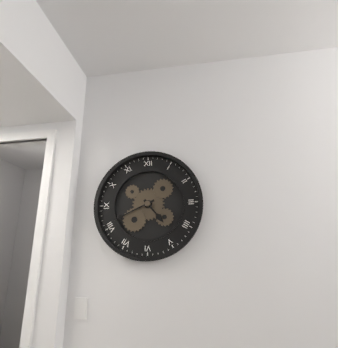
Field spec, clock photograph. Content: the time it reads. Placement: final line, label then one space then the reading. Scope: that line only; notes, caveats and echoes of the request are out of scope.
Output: 4:41
